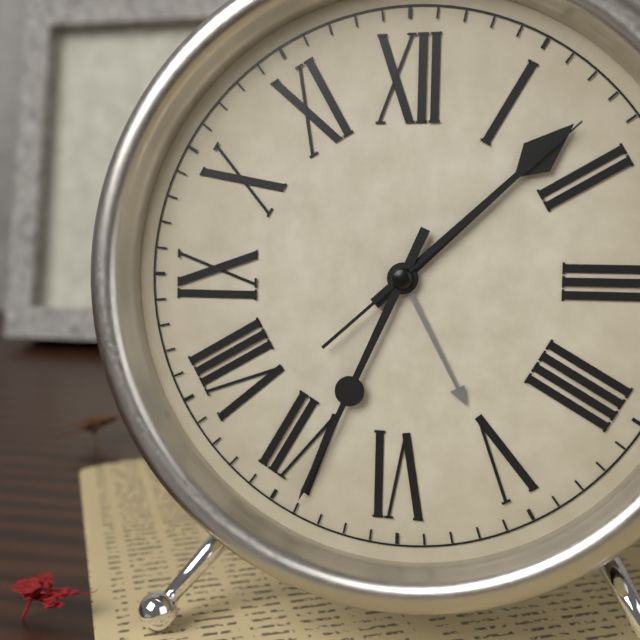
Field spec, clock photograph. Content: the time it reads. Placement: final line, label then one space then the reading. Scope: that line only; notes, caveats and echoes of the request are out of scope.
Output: 1:34:08
